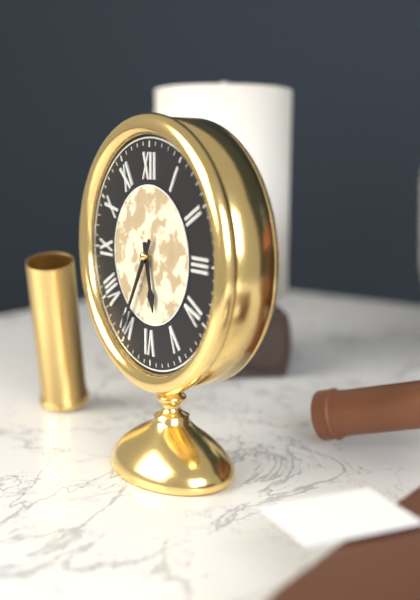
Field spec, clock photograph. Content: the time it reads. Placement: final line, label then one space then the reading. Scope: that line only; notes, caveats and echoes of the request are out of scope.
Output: 5:35
